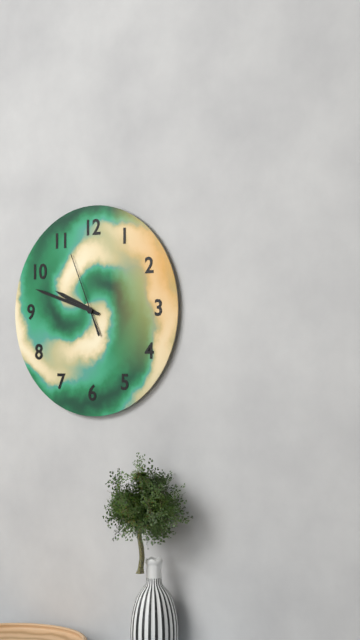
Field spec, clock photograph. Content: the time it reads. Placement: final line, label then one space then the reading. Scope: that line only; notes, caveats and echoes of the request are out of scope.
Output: 9:48:56
